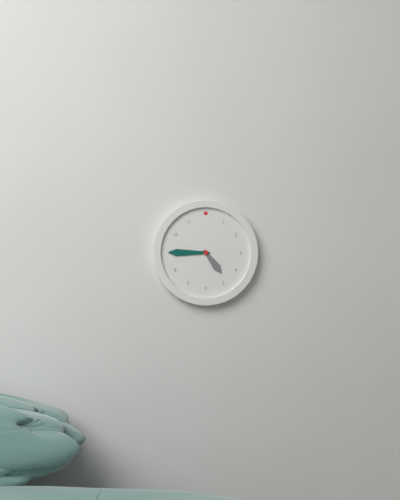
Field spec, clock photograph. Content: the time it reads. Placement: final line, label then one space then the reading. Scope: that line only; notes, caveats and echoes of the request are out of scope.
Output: 4:45
